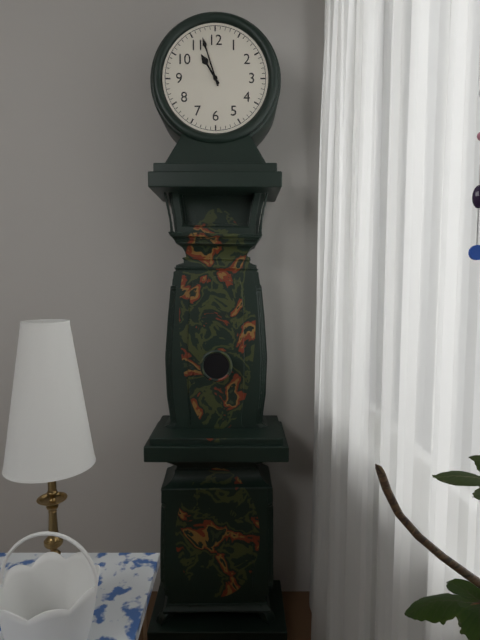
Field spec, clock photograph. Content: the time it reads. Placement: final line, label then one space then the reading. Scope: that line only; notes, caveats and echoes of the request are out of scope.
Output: 10:57
